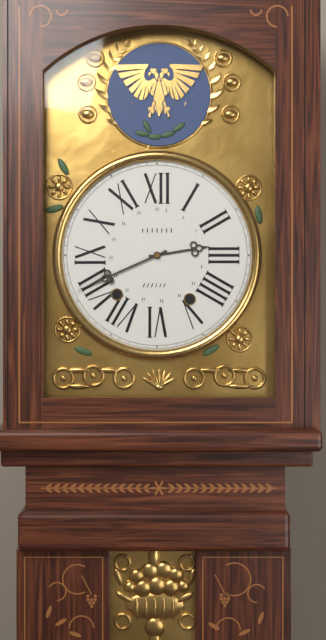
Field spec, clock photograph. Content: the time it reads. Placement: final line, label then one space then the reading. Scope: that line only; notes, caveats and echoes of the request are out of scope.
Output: 2:41
